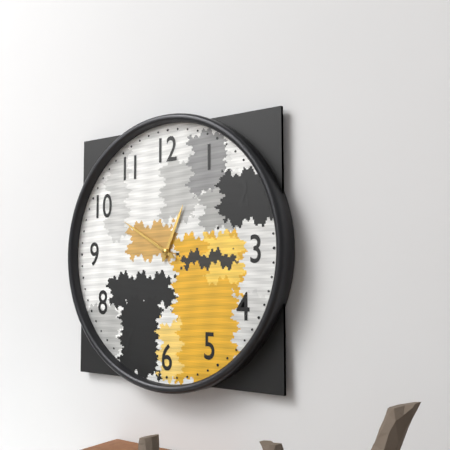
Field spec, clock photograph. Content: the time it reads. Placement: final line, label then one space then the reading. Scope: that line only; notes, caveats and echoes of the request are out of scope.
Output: 12:50
